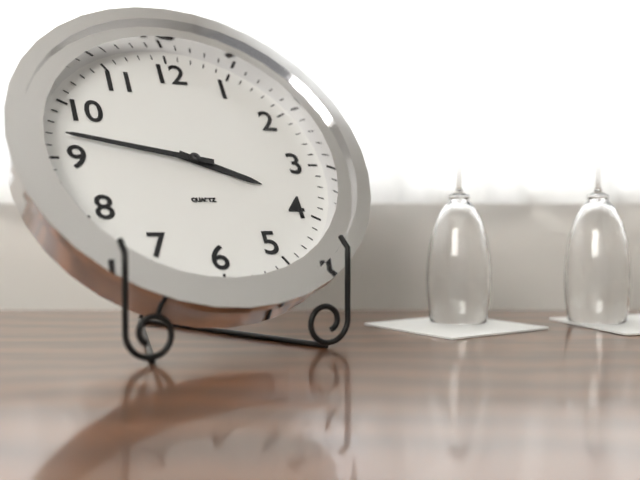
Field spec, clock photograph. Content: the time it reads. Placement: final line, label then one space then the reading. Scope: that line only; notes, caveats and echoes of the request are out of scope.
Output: 3:47
